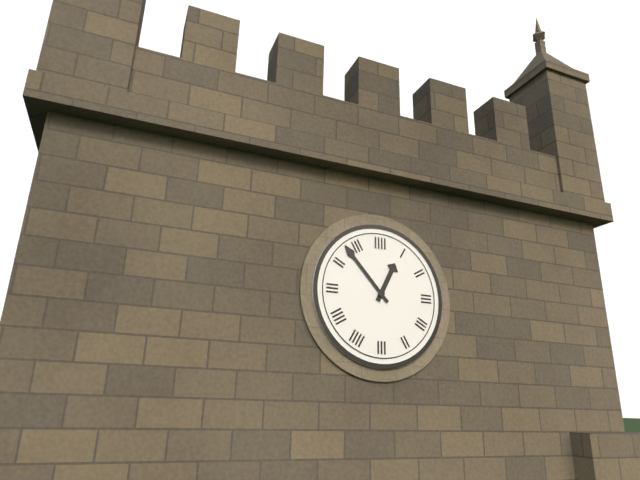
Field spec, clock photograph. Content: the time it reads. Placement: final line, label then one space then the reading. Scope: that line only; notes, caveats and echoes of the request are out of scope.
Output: 12:53
